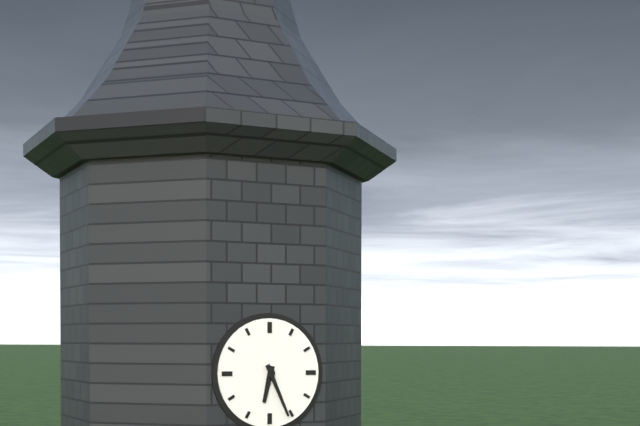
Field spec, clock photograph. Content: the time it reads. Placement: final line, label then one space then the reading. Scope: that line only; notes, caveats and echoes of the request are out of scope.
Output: 6:26
